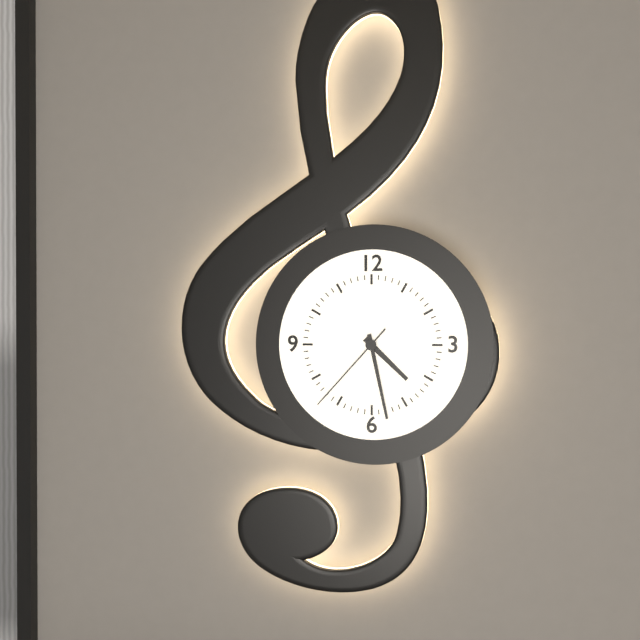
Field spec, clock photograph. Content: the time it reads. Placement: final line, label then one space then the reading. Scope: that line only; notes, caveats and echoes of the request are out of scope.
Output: 4:28:37
